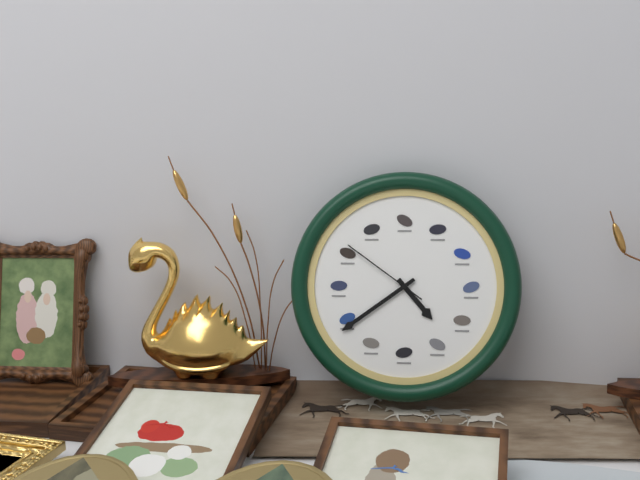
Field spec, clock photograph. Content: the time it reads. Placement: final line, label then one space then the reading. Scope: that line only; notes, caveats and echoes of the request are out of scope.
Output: 4:39:51
